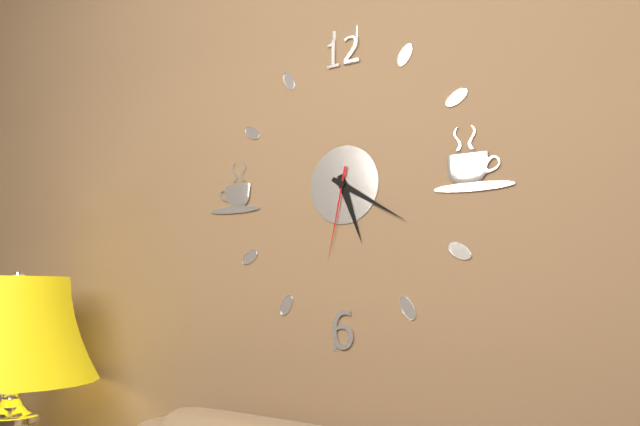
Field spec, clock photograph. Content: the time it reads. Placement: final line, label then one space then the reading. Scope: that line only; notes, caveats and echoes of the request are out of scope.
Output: 5:20:32
